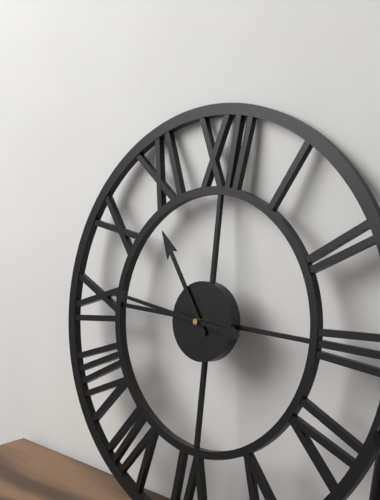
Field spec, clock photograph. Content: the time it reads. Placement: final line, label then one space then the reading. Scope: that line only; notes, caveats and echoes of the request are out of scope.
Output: 10:46
